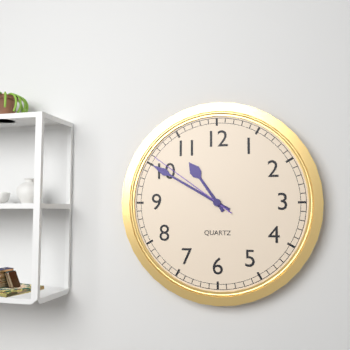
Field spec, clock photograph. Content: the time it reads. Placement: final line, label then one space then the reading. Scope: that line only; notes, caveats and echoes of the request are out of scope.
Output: 10:50:51
